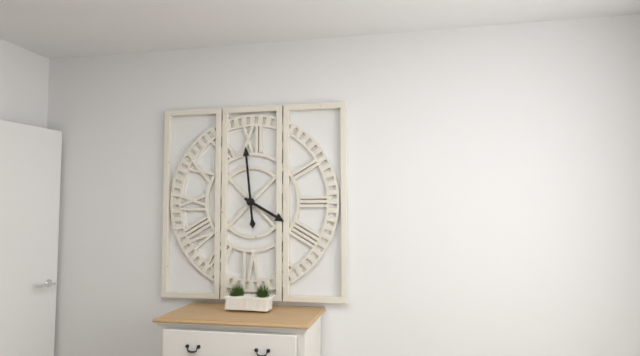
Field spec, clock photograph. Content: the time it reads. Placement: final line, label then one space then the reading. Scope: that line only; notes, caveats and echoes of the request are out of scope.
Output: 3:59
